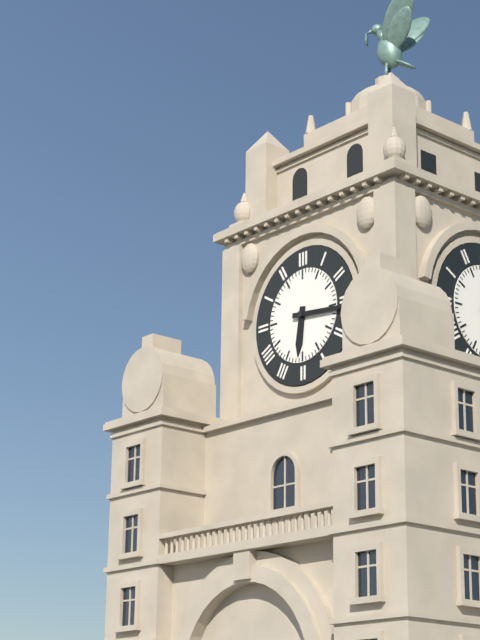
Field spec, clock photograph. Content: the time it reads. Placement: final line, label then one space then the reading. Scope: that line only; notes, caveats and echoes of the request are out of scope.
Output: 6:16
